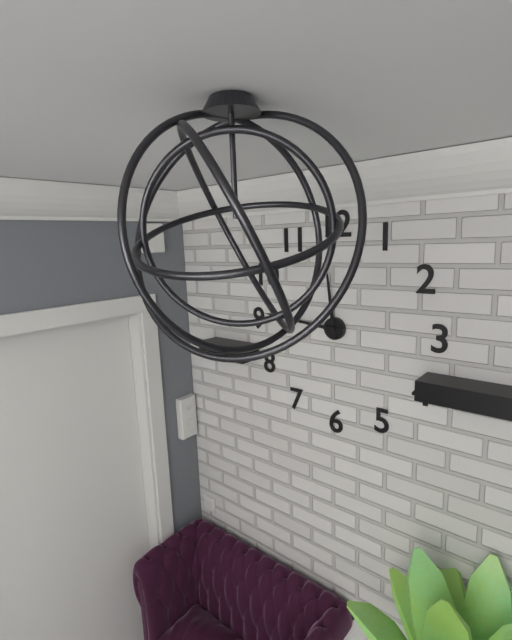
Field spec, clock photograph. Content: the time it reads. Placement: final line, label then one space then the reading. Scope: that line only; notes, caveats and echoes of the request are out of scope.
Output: 11:46
